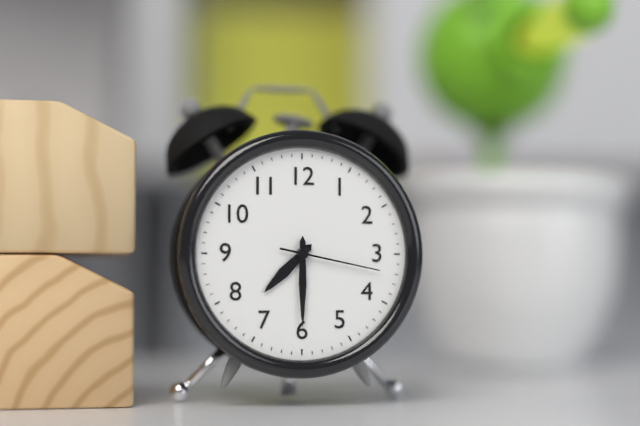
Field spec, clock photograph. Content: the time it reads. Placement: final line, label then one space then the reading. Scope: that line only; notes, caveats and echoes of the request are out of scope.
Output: 7:30:17
